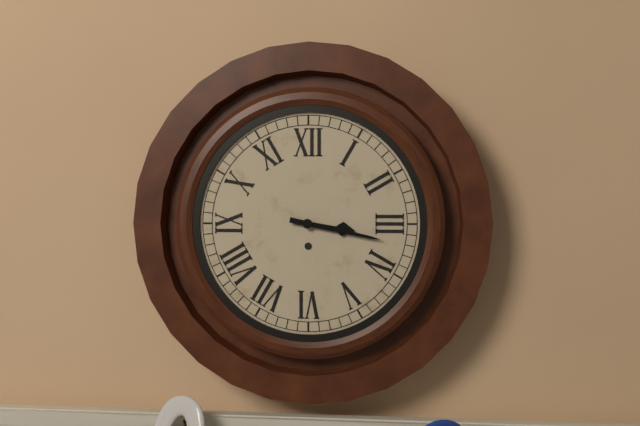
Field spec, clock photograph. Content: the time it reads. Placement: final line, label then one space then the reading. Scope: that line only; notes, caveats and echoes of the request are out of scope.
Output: 3:17
